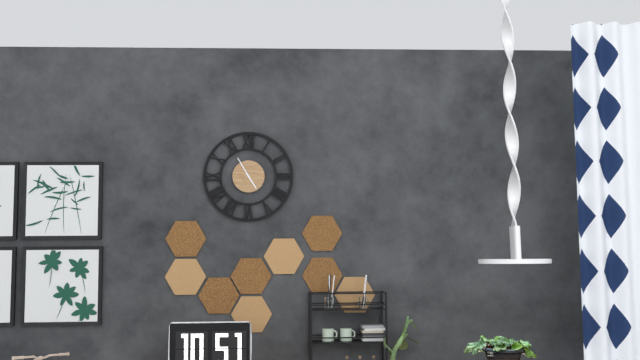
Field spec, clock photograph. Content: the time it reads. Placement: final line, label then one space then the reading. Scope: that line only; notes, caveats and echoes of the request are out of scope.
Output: 4:55
